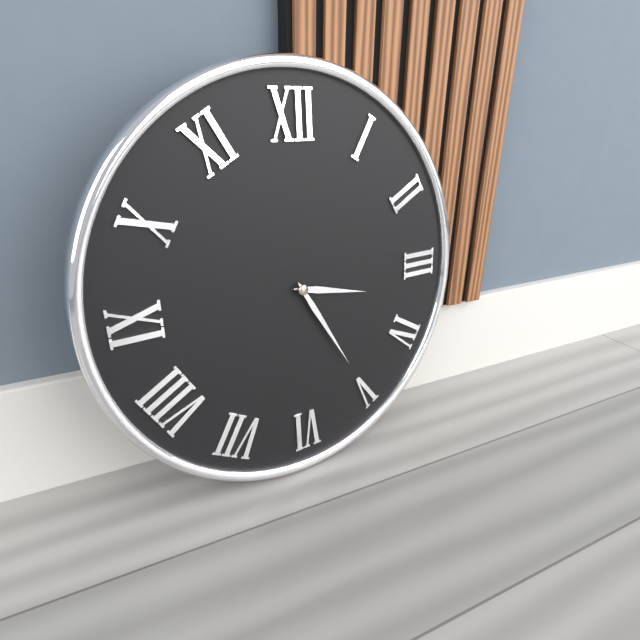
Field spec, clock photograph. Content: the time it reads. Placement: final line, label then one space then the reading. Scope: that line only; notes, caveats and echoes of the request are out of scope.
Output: 3:25
